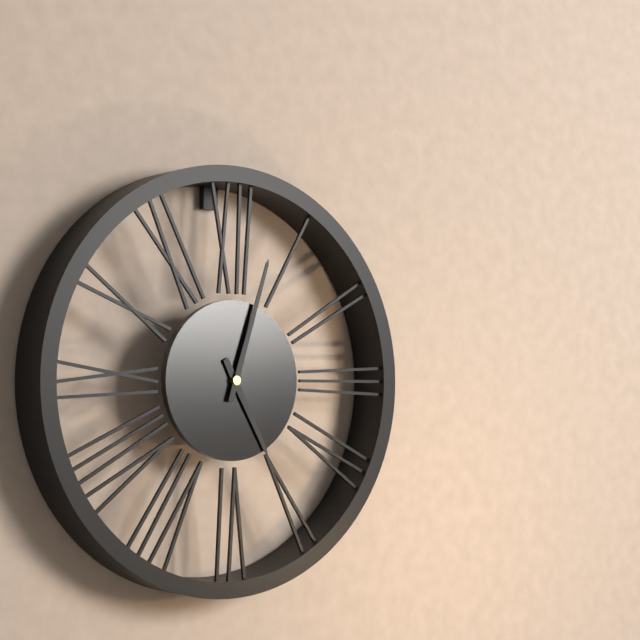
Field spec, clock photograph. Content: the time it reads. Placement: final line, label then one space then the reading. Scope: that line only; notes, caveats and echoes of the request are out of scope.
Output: 5:03
